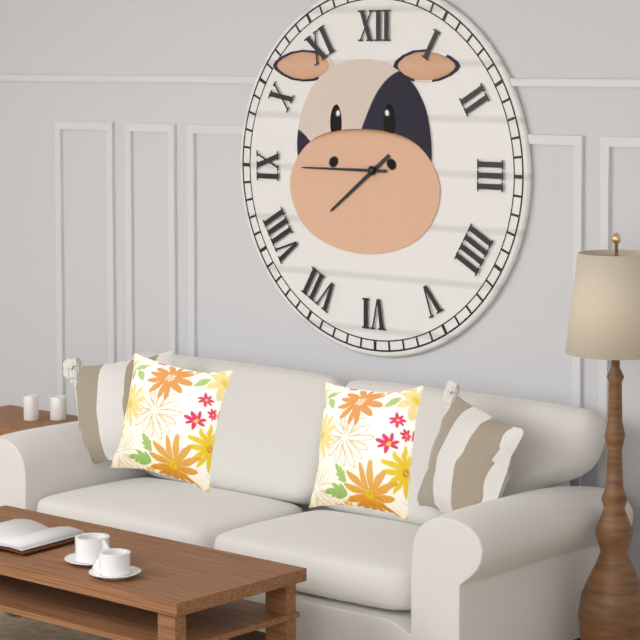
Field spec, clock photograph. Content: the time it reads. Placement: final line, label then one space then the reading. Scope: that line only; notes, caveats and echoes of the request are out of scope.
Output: 7:45
